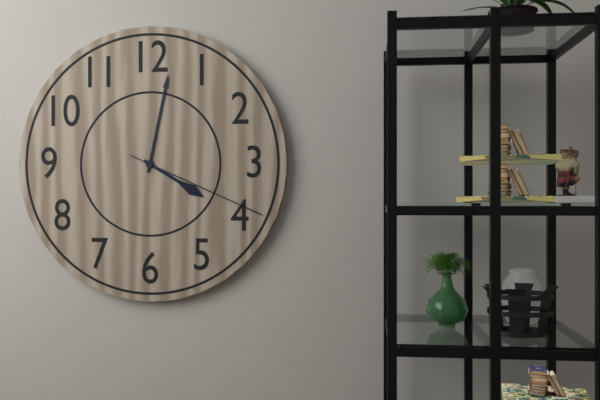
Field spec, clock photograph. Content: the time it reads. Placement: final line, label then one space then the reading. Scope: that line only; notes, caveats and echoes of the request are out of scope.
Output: 4:02:19
